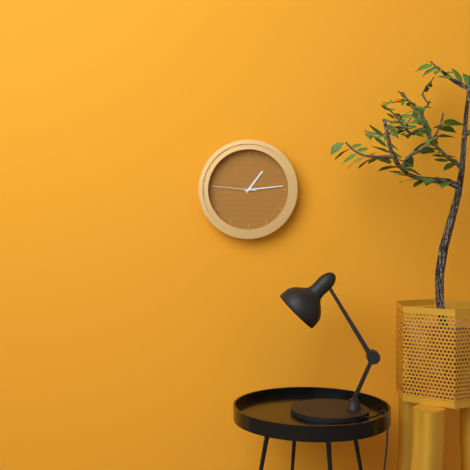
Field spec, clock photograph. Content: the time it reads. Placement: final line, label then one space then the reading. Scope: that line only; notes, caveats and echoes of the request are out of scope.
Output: 1:14
